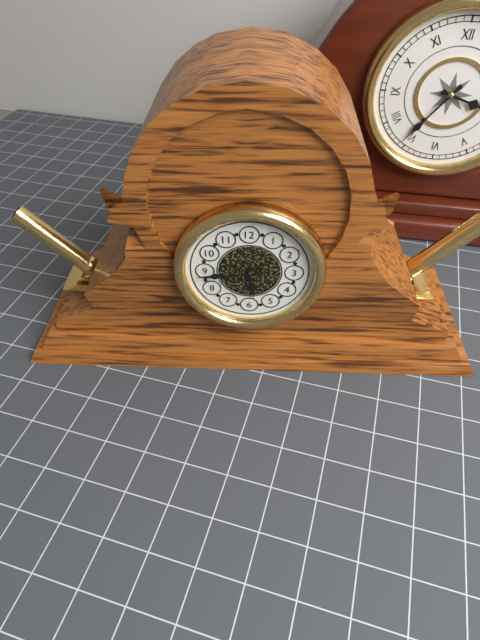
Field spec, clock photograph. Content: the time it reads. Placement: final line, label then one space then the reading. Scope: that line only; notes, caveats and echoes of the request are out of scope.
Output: 5:44
